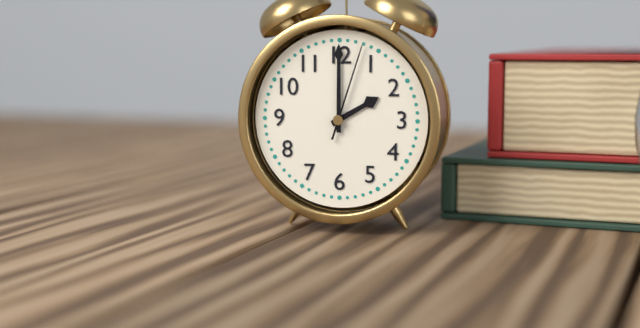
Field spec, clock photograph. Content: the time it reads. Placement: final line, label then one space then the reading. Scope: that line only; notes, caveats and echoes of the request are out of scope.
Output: 2:00:03
